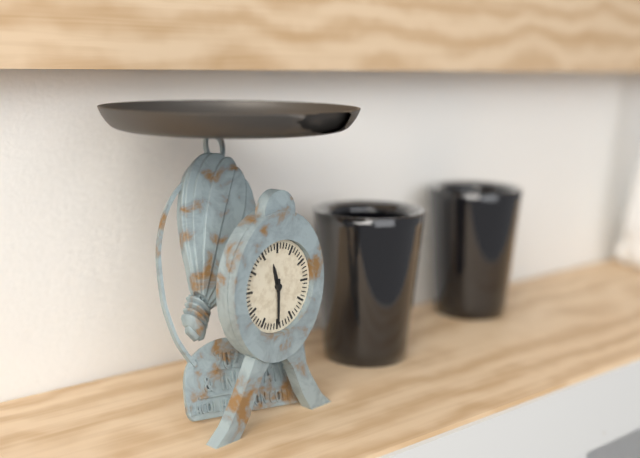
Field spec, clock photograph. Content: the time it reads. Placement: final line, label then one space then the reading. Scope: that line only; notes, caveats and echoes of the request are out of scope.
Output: 11:30
